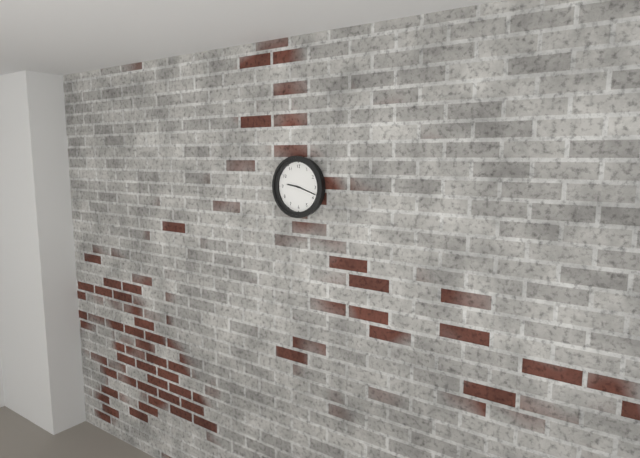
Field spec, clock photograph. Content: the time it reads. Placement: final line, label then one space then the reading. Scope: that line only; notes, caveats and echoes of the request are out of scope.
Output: 9:18
